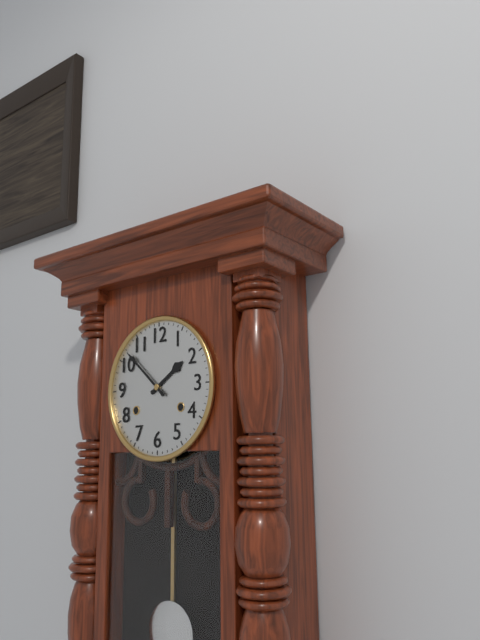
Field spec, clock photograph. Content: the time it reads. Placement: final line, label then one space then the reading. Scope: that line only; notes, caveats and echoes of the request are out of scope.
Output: 1:52
